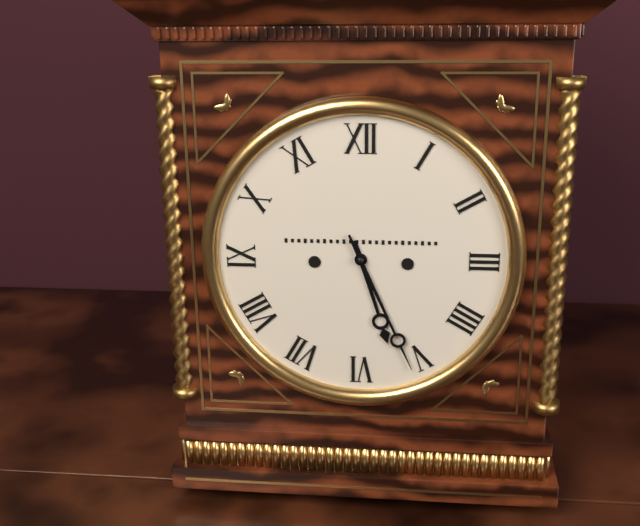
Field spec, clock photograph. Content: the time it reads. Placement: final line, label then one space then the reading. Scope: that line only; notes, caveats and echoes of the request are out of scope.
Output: 5:26
